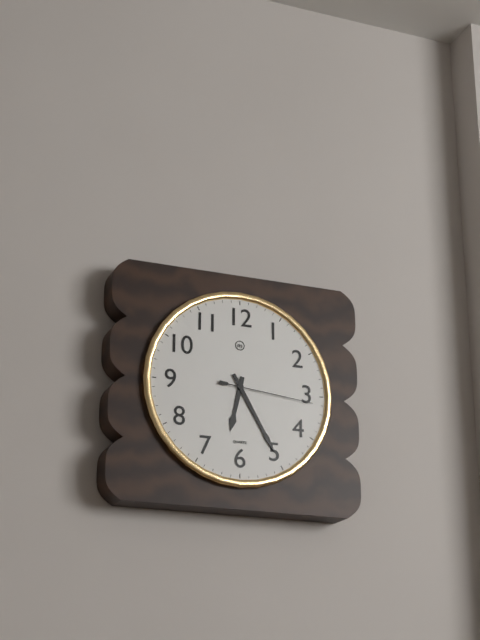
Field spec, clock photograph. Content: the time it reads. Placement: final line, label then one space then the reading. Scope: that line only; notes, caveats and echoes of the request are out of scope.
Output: 6:25:16
